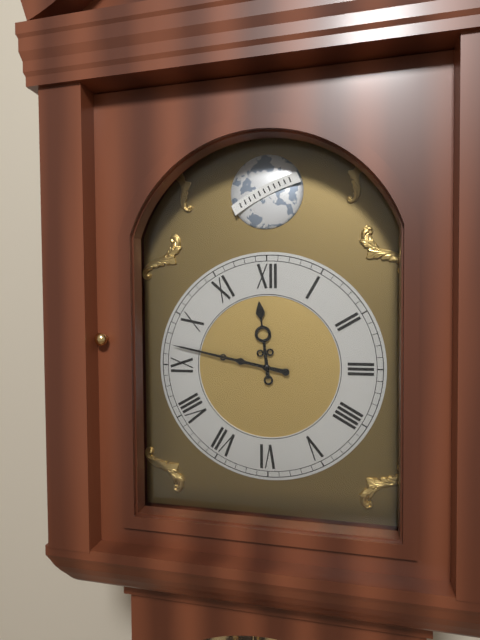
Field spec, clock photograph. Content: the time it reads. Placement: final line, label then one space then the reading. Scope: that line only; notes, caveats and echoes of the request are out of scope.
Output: 11:47
